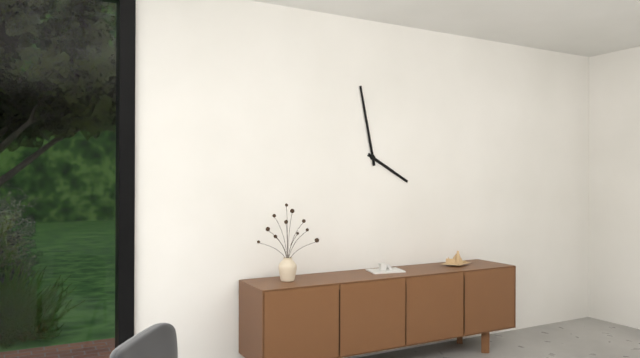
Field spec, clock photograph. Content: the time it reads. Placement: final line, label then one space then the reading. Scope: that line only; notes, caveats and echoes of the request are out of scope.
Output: 3:58
